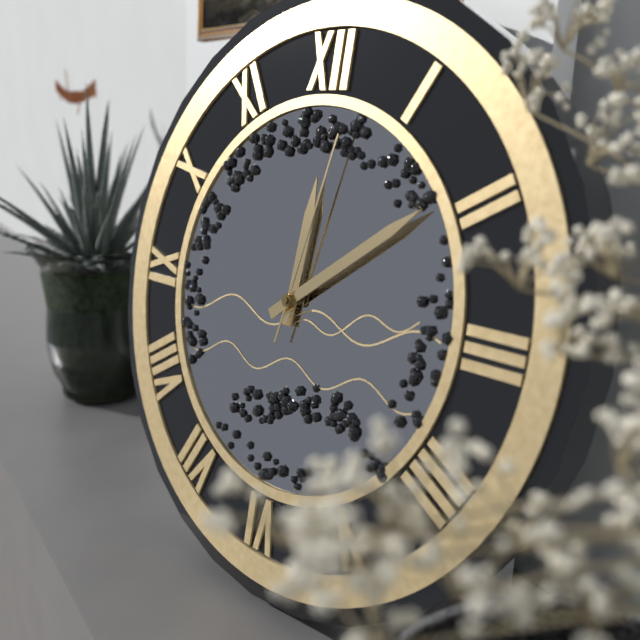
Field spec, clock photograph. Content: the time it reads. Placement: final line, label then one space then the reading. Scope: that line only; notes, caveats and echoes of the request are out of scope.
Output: 12:09:02
